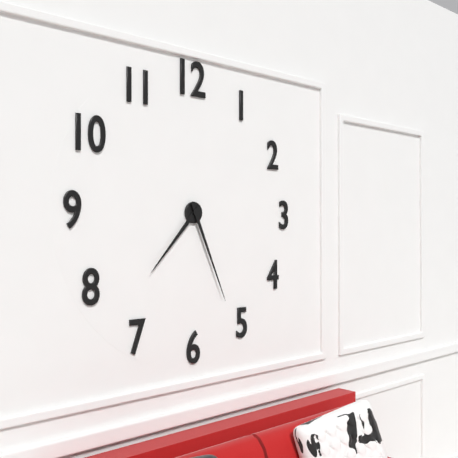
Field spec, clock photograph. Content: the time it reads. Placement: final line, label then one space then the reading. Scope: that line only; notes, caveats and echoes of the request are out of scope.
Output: 7:26
